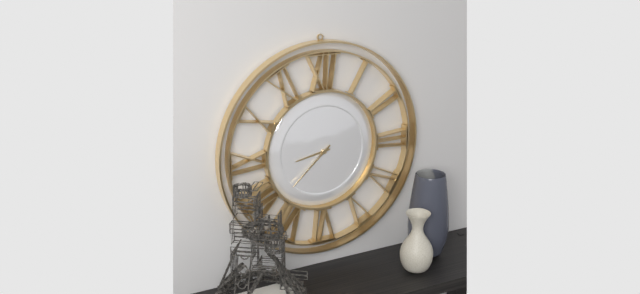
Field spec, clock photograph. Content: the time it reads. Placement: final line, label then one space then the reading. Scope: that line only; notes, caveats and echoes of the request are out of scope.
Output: 8:38
